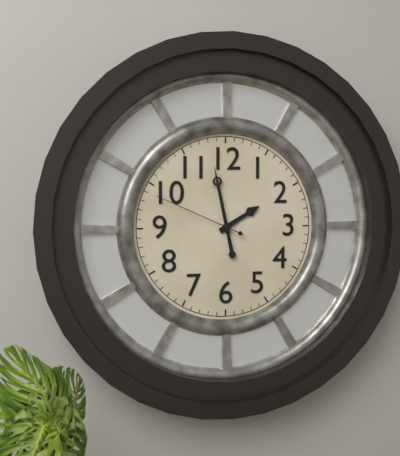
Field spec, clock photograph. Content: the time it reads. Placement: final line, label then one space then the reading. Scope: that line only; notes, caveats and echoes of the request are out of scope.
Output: 1:58:49
